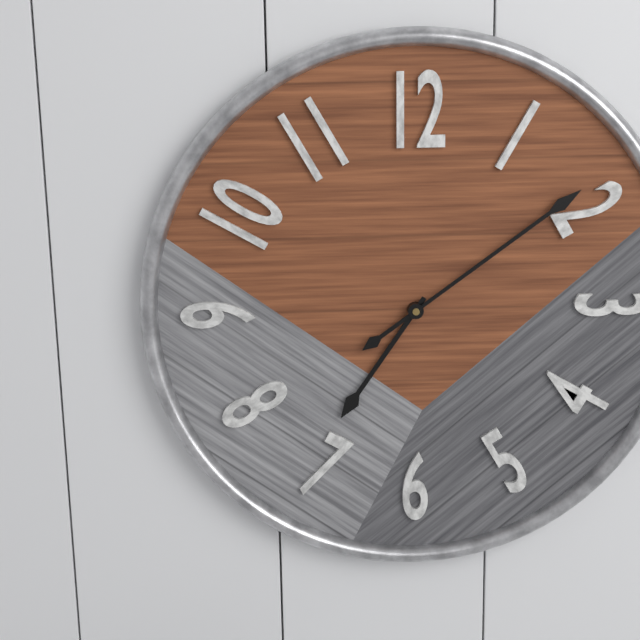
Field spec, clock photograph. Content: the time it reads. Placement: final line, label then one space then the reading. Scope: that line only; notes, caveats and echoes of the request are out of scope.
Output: 7:09
